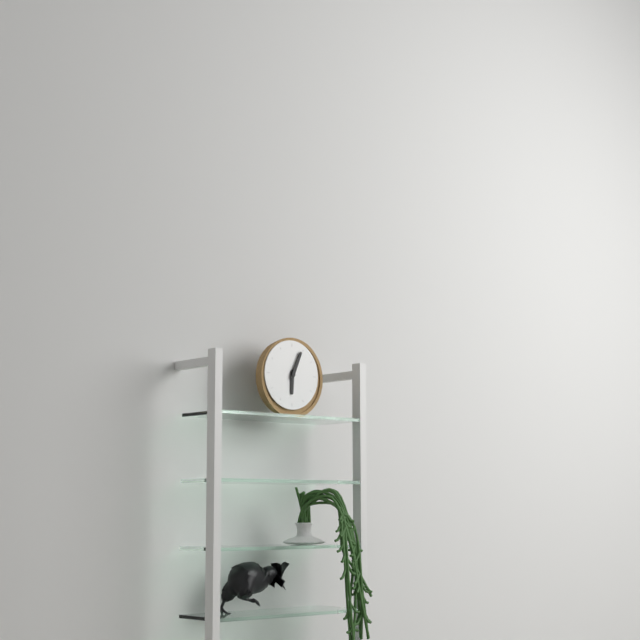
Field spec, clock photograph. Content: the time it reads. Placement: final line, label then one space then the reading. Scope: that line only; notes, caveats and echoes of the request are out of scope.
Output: 6:04
